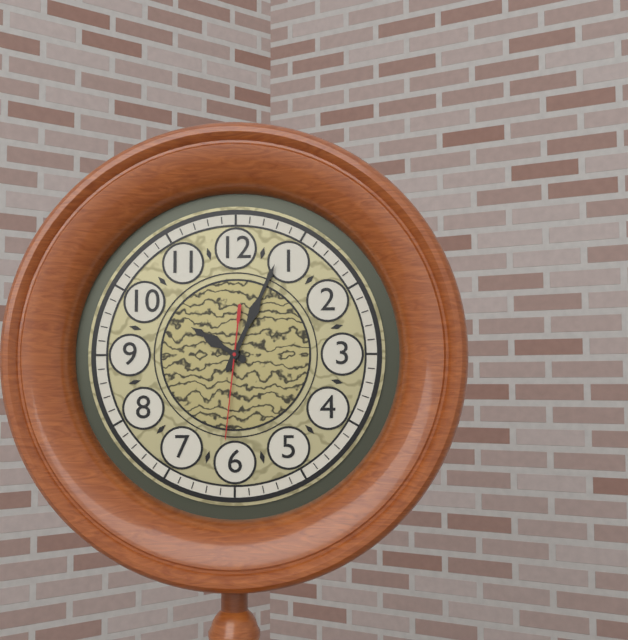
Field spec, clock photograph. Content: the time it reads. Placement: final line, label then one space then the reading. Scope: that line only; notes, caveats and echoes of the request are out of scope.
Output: 10:04:31
